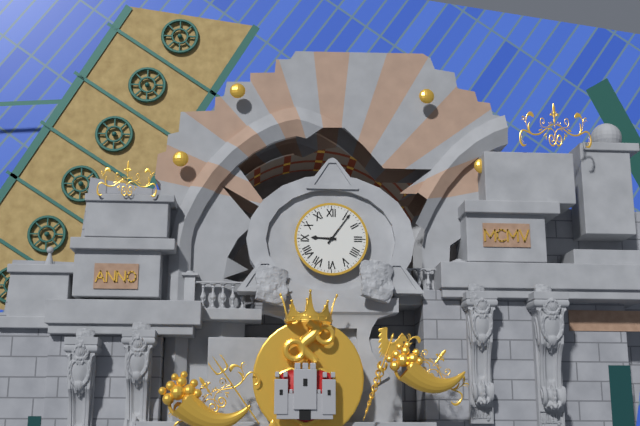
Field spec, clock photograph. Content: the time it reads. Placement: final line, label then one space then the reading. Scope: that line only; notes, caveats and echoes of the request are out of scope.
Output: 9:06
